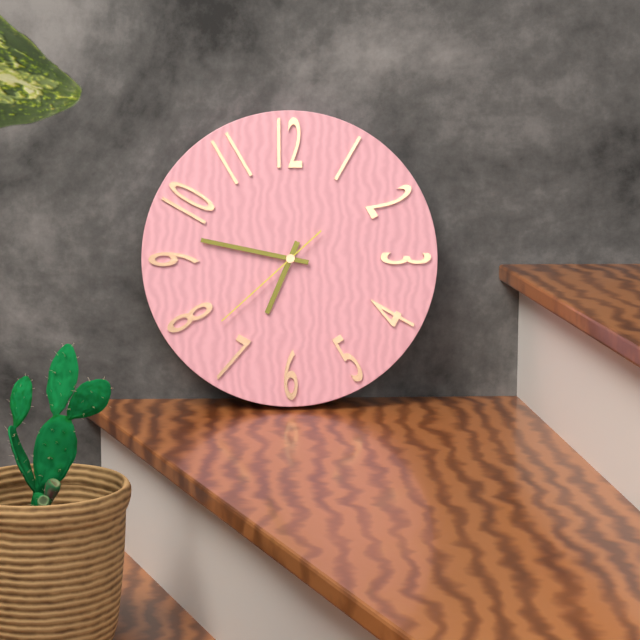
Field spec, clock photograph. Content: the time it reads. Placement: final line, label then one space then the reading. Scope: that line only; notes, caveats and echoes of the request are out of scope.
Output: 6:47:38
